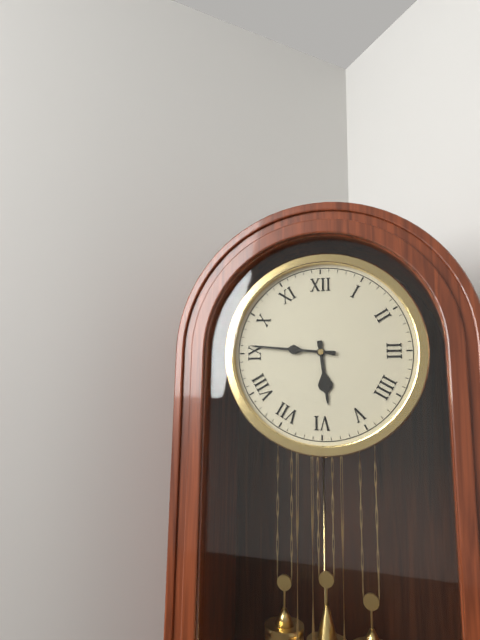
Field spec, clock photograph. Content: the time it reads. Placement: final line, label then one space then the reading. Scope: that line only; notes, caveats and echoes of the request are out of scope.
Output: 5:46
